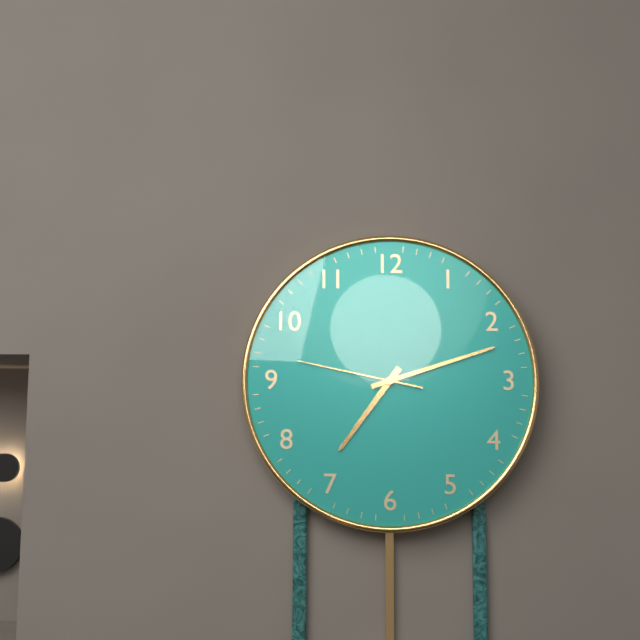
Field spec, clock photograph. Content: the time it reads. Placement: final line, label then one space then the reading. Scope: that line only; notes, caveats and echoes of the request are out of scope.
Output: 7:12:47
